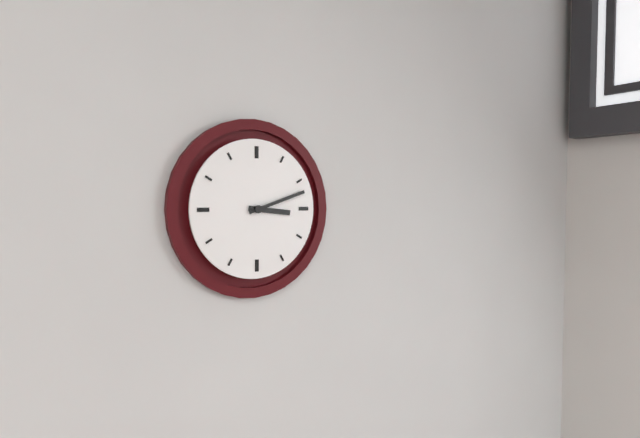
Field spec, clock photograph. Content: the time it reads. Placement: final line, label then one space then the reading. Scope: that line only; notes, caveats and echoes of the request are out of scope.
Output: 3:12
